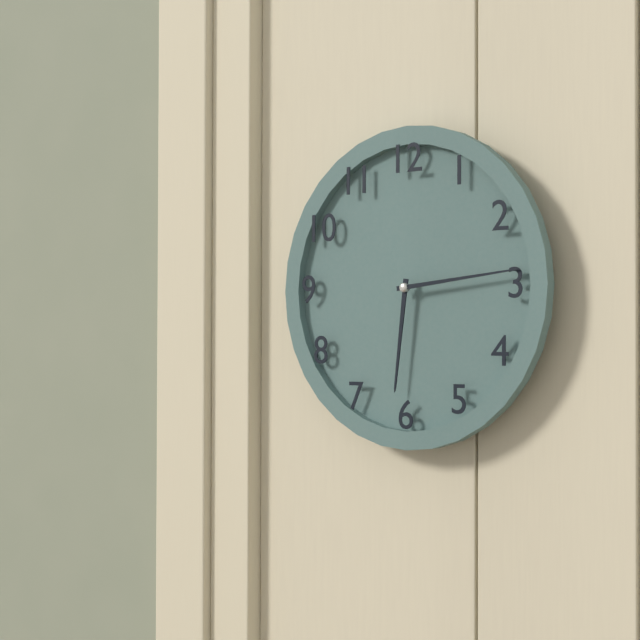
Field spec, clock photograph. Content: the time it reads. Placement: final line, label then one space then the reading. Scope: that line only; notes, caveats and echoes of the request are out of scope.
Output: 6:14
